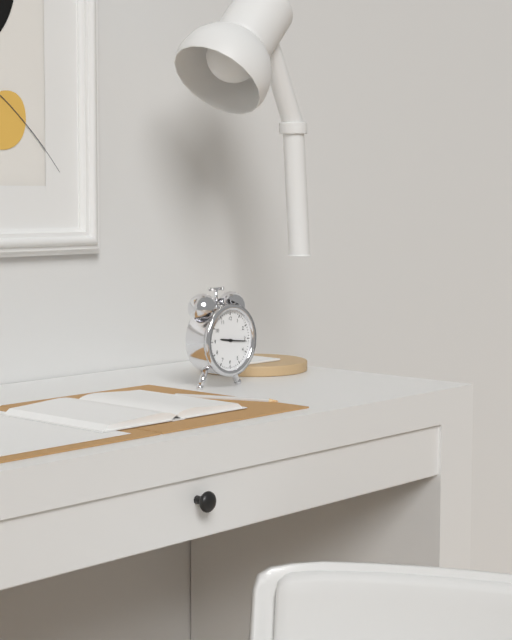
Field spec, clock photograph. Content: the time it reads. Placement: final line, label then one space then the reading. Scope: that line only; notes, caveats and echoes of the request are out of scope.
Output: 9:16
